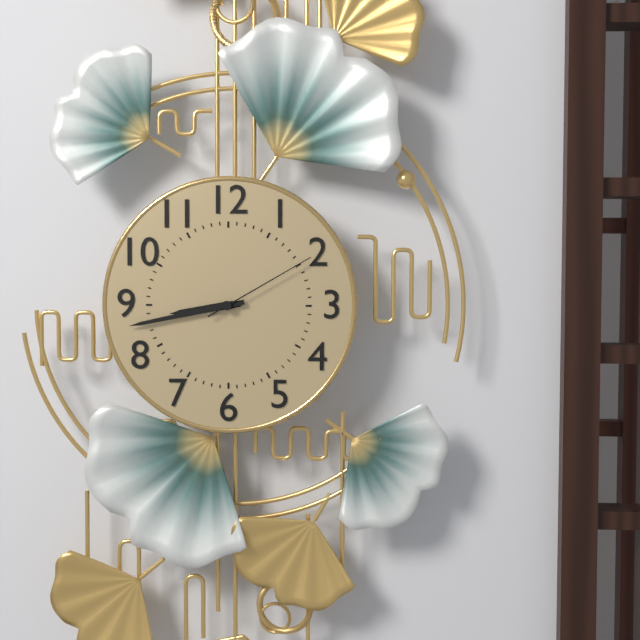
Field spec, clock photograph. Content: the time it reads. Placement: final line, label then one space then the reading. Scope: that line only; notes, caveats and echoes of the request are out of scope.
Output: 8:43:10
